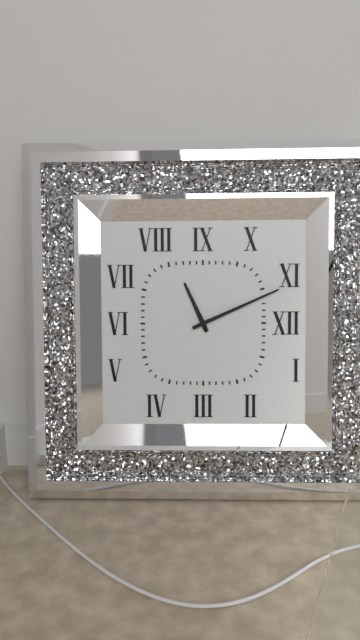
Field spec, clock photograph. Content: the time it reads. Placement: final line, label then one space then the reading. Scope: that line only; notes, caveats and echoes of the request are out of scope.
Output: 11:11
